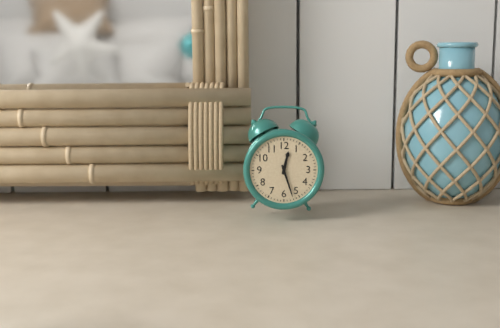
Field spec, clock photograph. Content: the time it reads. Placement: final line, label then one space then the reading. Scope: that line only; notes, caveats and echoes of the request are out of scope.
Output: 12:27
